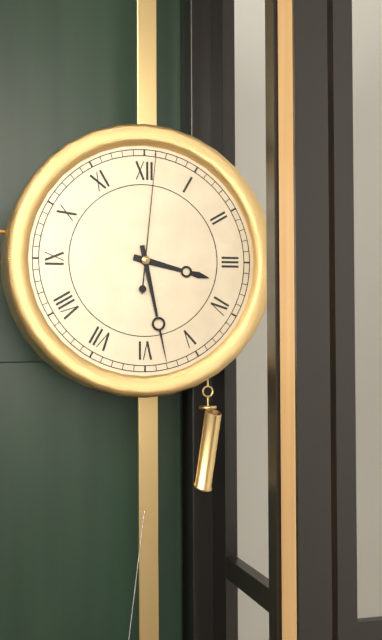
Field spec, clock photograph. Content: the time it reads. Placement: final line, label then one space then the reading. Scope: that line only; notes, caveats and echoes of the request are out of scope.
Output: 3:28:01
